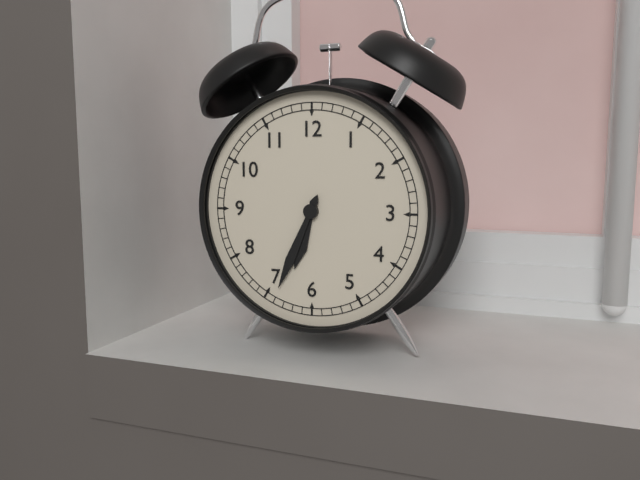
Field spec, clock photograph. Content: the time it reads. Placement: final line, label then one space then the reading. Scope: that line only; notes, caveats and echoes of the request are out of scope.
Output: 6:34
